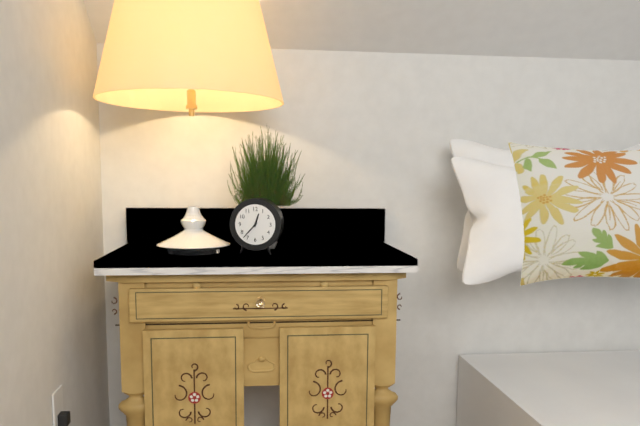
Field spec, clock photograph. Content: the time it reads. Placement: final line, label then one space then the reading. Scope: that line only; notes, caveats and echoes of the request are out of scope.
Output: 12:37
